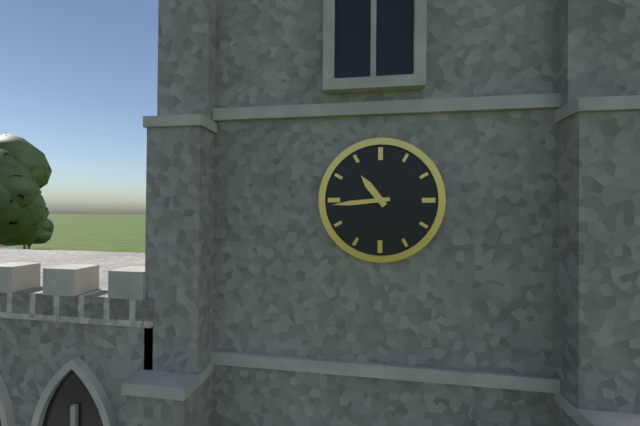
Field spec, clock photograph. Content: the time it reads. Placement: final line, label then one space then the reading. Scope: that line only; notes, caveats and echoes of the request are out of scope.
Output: 10:44
